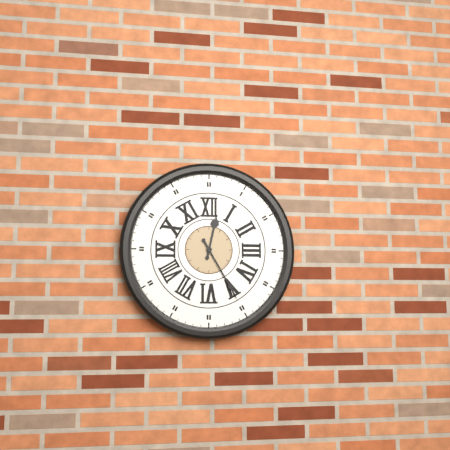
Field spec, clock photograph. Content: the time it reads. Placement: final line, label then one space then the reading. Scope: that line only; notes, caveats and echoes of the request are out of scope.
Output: 12:25
